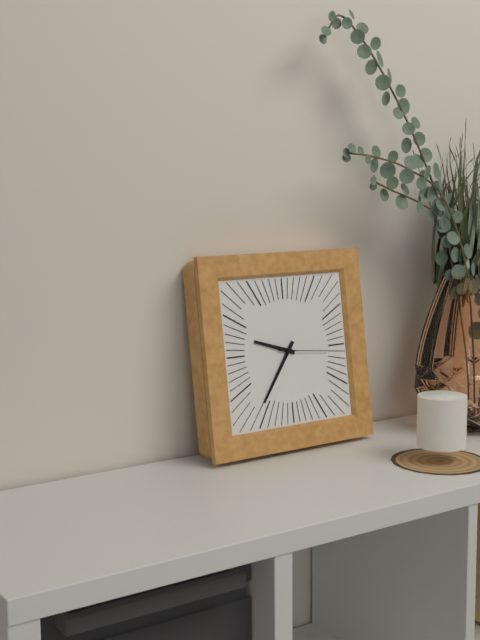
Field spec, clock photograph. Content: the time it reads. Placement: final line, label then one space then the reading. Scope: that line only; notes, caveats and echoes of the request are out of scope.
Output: 9:36:16
